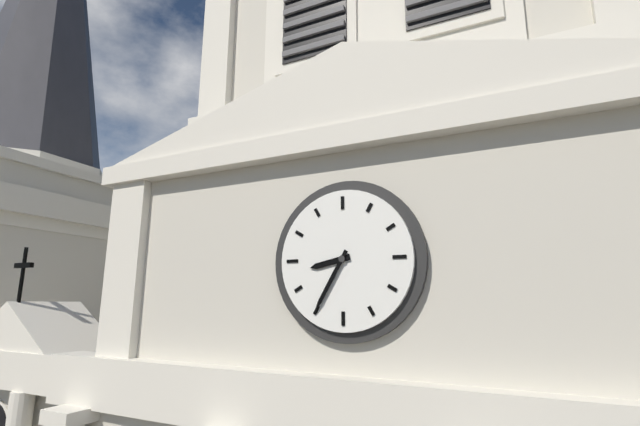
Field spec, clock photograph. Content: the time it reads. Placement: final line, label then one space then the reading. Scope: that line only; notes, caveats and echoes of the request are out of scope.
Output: 8:35
